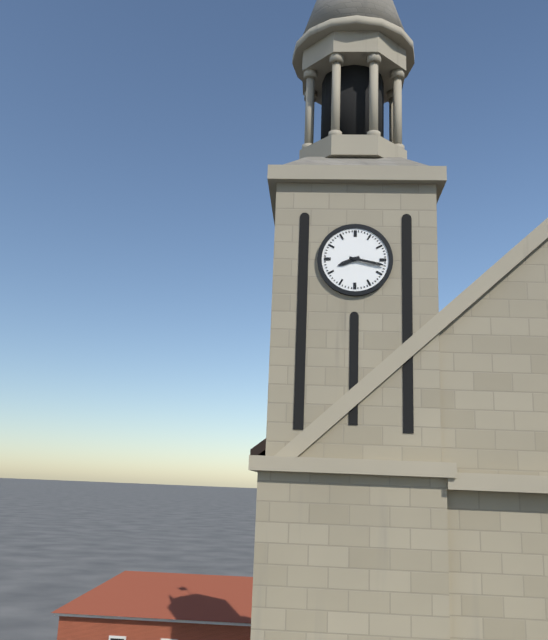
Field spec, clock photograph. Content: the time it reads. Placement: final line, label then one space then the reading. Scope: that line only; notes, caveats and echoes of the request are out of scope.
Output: 8:17
